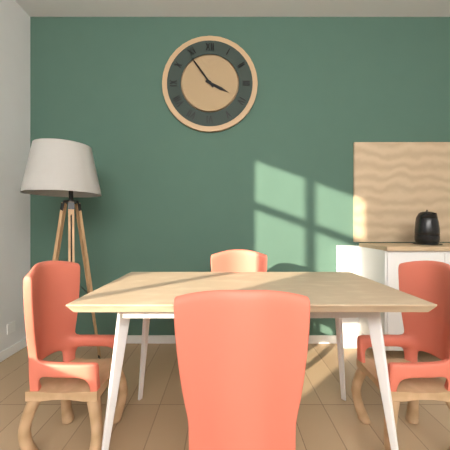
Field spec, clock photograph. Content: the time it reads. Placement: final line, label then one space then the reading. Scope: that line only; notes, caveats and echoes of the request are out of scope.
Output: 3:54
